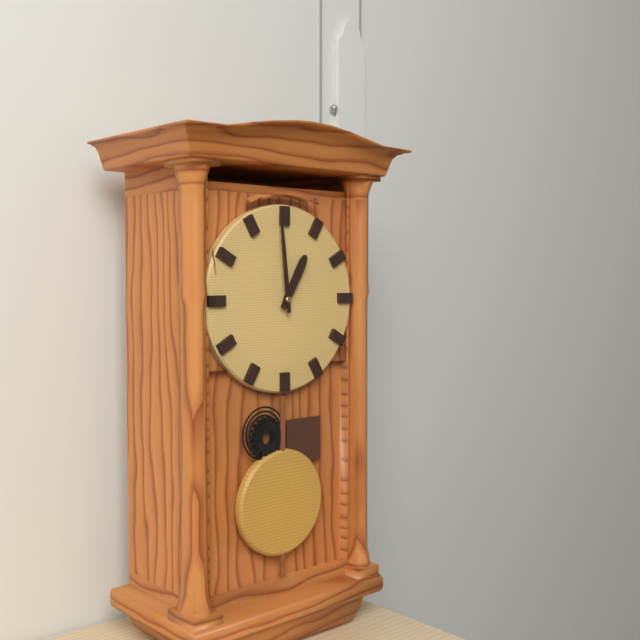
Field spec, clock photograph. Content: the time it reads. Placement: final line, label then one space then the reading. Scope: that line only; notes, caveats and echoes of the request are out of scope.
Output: 12:59
